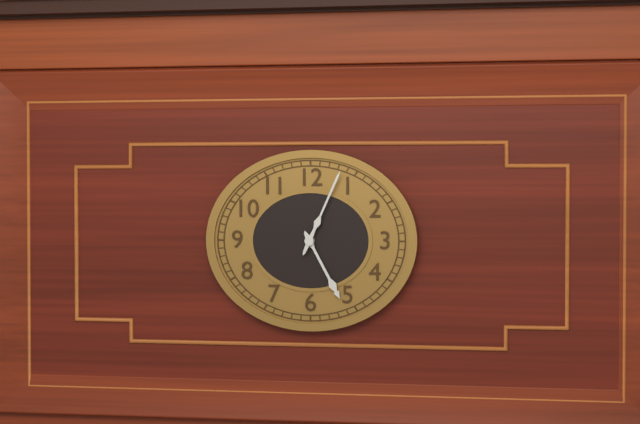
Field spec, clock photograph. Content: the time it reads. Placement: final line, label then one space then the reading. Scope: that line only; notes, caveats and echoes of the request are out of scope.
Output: 5:04
